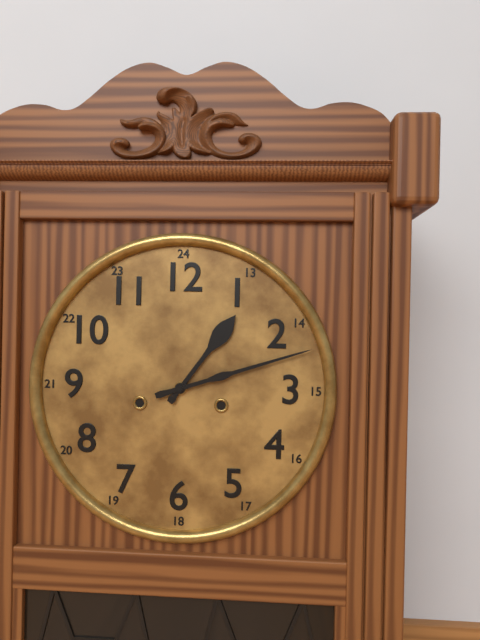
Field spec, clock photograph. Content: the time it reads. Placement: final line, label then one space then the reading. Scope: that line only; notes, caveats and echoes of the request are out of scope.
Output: 1:12
